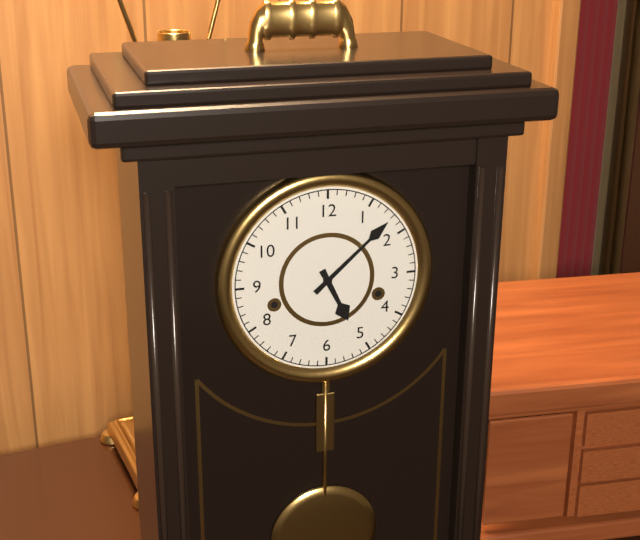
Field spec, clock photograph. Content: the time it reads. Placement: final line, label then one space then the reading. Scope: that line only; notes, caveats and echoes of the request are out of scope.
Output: 5:08
